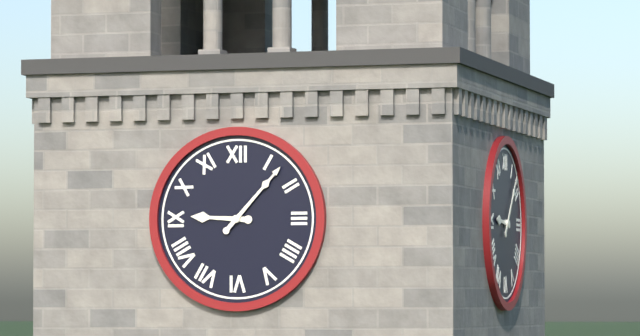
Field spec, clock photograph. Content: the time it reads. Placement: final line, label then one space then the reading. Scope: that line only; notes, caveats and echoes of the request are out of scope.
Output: 9:07
